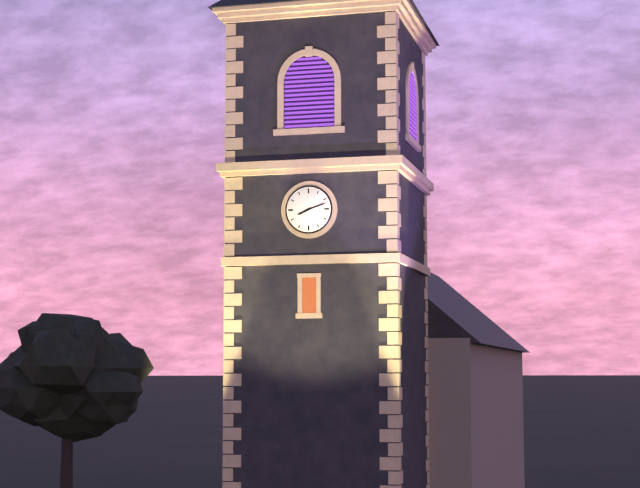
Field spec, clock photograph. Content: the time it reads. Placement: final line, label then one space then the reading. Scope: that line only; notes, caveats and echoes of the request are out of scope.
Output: 8:12
